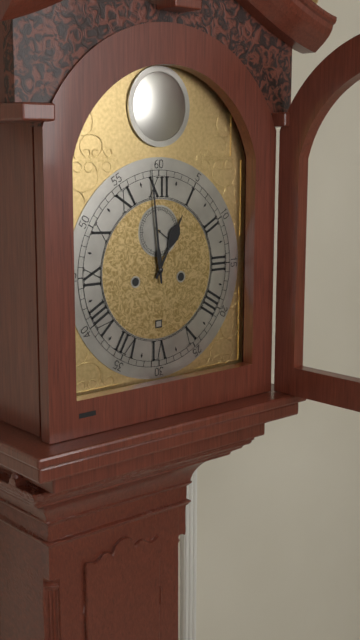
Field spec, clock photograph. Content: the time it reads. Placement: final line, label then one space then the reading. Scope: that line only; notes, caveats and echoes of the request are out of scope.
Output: 12:59
